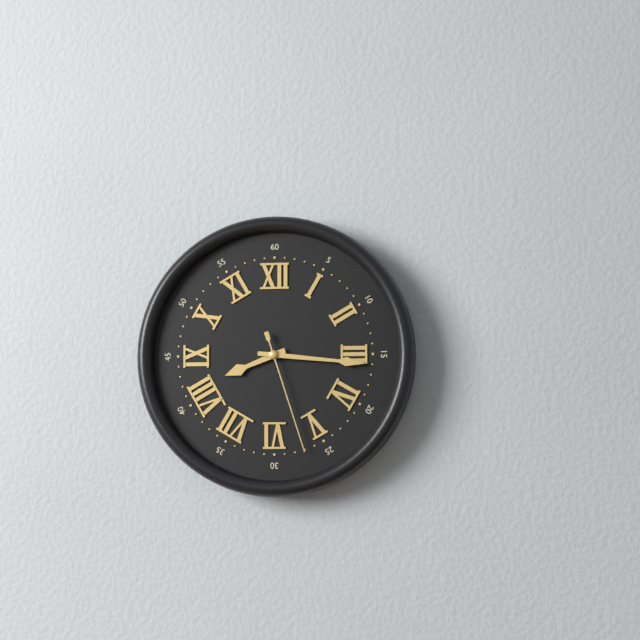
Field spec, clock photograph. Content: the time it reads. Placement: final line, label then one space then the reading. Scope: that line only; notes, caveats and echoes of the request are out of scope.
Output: 8:16:27
